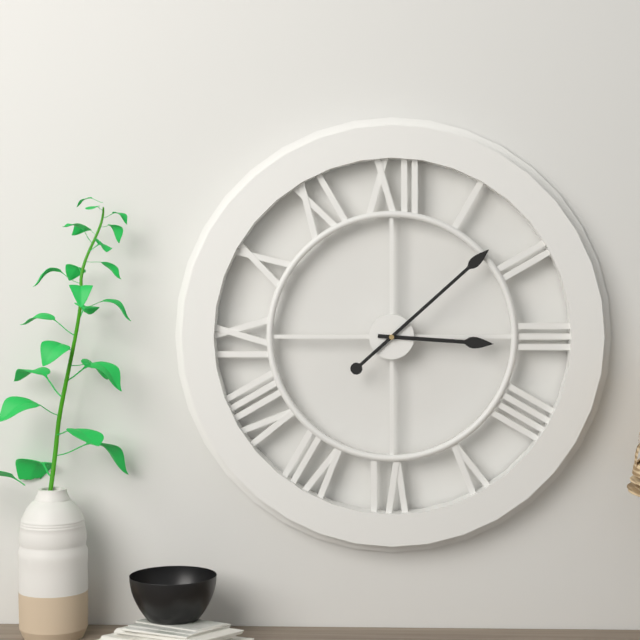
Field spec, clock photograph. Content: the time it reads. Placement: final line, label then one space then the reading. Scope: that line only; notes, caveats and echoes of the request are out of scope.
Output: 3:08
